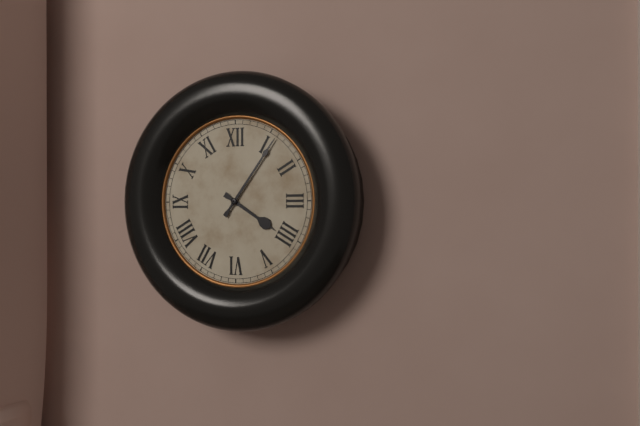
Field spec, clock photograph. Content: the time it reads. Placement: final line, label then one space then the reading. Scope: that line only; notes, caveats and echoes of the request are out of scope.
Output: 4:06
